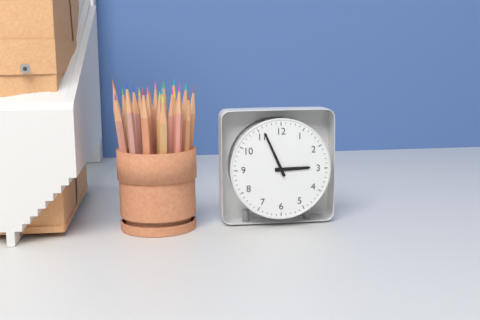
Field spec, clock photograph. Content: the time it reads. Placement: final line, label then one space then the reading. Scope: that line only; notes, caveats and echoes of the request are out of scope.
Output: 2:56
